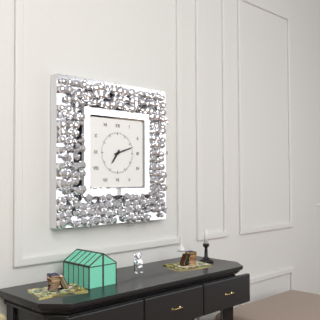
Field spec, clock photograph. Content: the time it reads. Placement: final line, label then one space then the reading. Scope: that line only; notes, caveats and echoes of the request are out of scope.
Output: 7:12
